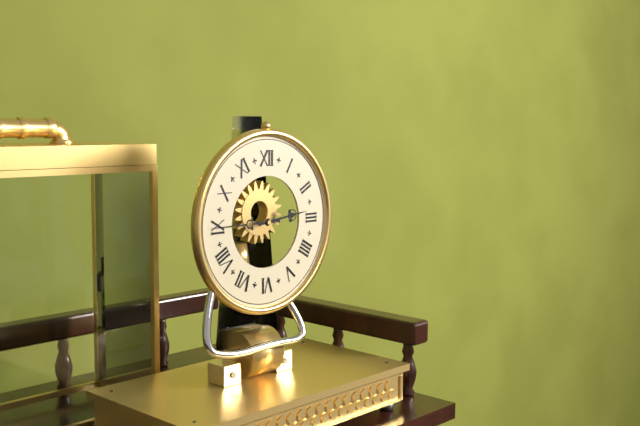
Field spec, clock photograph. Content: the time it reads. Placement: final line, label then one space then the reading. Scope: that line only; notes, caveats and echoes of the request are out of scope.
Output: 2:45
